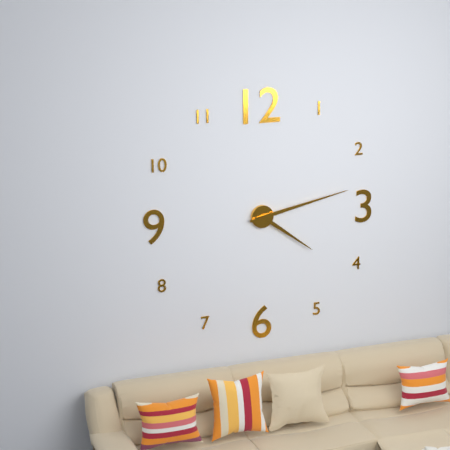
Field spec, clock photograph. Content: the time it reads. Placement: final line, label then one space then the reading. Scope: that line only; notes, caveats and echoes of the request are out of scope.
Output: 4:13
